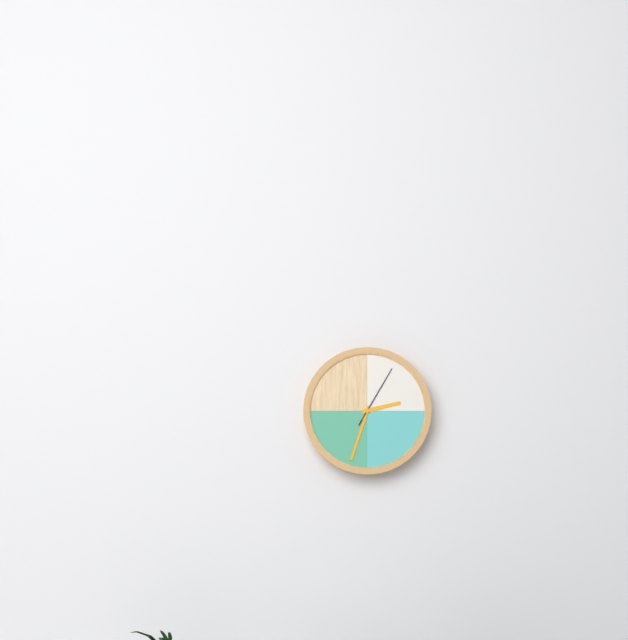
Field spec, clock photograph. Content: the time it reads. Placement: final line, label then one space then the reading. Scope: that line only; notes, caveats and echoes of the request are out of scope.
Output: 2:33:05
